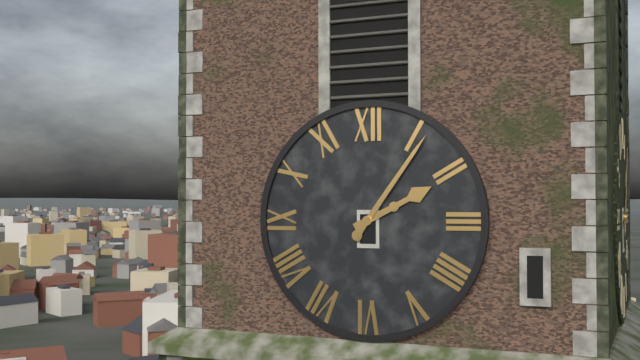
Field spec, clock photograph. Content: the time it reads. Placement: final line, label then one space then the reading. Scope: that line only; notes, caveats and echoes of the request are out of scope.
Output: 2:06
